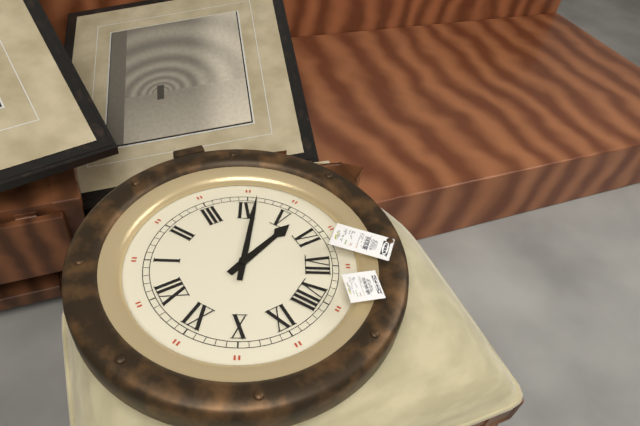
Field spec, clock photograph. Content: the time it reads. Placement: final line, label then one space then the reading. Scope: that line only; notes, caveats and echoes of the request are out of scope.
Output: 5:21
